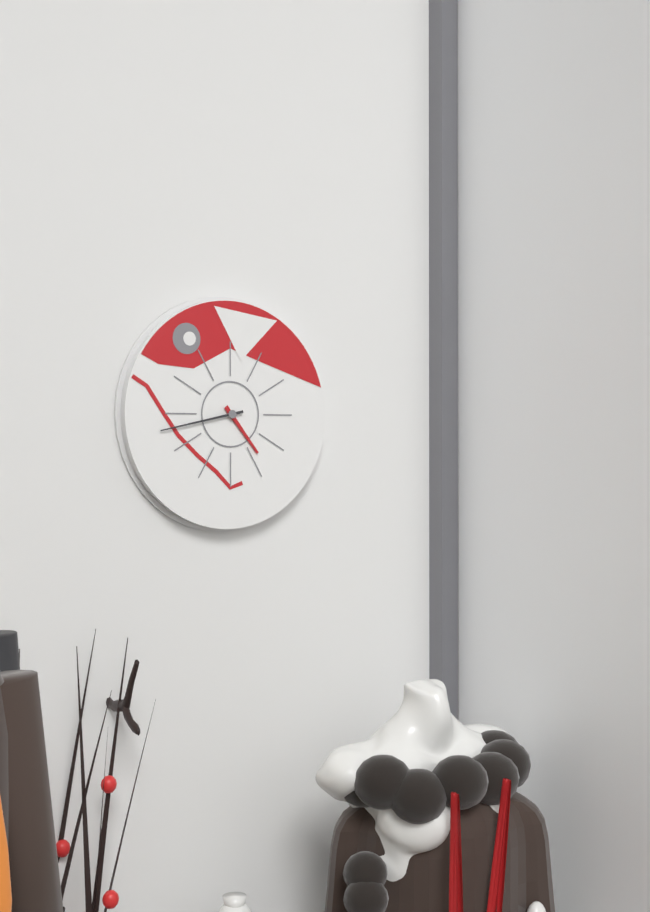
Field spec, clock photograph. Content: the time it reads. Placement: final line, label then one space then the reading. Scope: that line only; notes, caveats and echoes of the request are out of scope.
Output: 4:43
